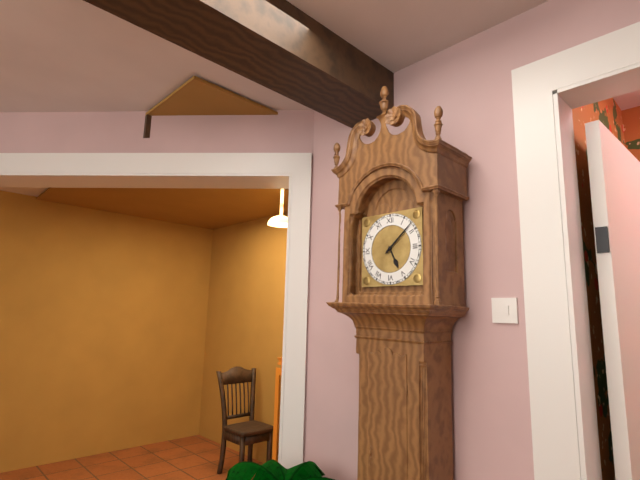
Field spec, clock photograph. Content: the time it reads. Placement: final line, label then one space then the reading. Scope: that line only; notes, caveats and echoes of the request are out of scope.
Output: 5:08
